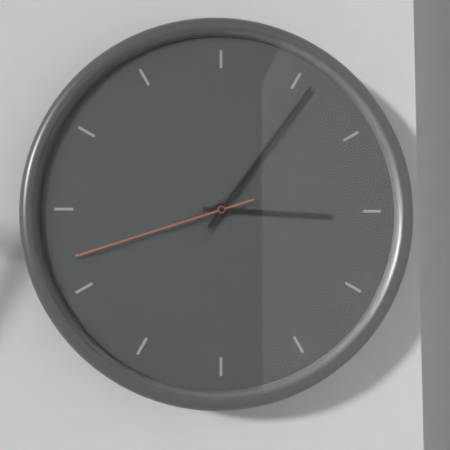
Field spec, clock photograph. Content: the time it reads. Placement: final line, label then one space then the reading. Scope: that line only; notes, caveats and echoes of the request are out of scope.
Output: 3:06:42
